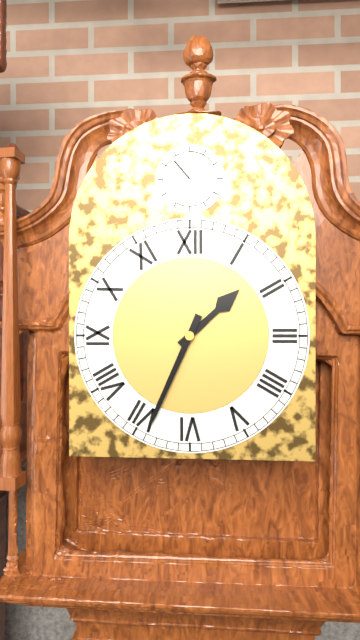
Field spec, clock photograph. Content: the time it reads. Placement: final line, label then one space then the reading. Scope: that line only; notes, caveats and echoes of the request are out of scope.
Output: 1:34
